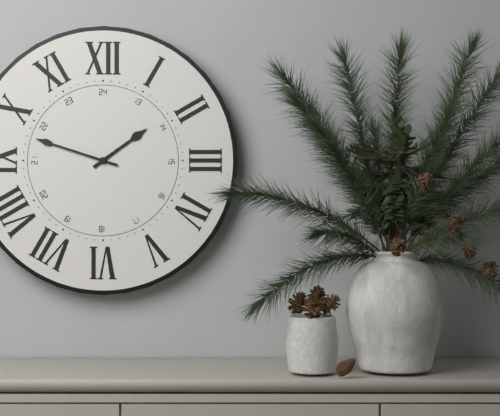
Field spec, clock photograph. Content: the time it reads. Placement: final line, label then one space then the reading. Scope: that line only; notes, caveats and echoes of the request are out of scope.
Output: 1:48
